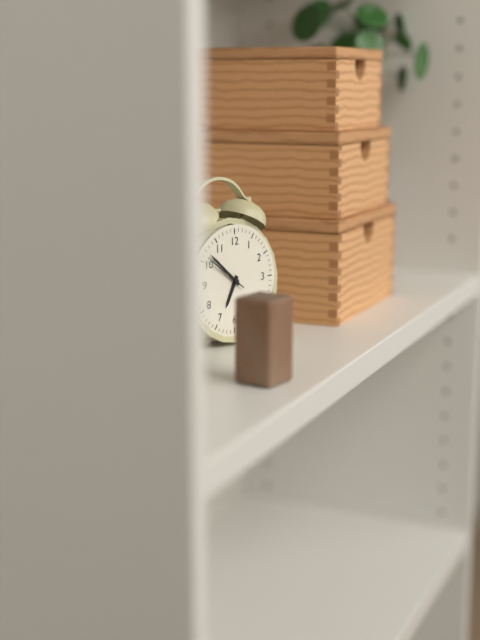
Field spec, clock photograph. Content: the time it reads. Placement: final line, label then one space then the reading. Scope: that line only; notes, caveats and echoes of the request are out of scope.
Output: 6:52
